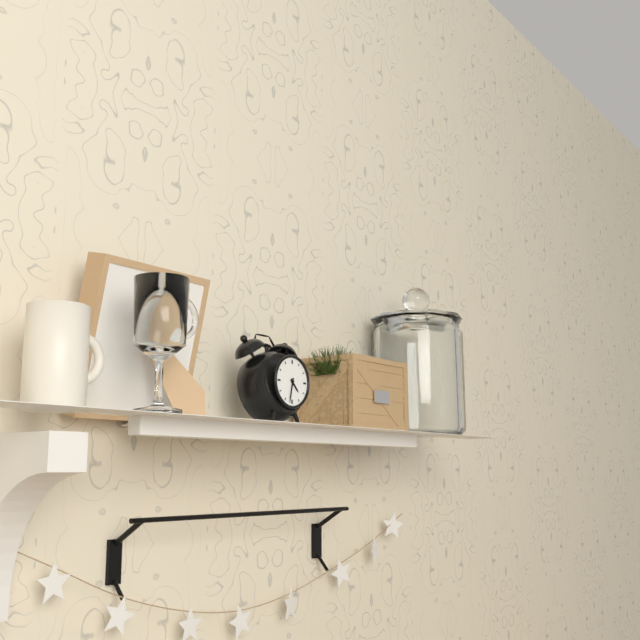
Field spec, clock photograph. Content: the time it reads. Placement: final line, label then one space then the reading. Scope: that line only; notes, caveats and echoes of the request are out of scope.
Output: 4:32
